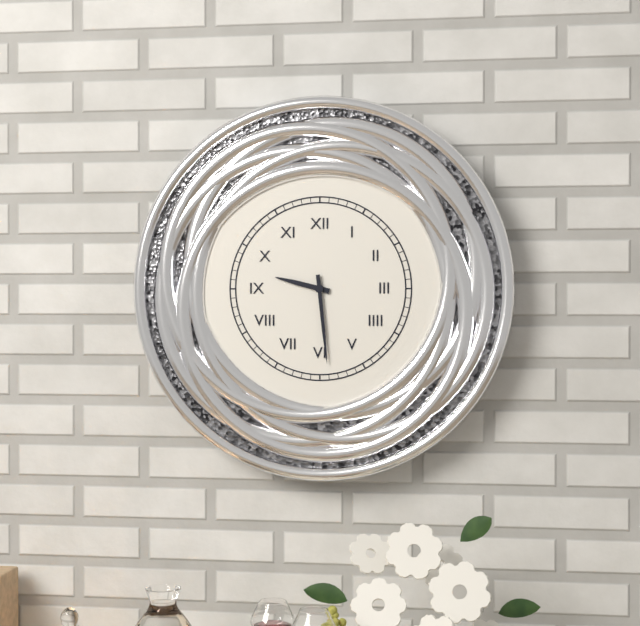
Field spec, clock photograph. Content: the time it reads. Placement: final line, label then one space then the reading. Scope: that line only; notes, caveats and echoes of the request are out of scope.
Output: 9:29
